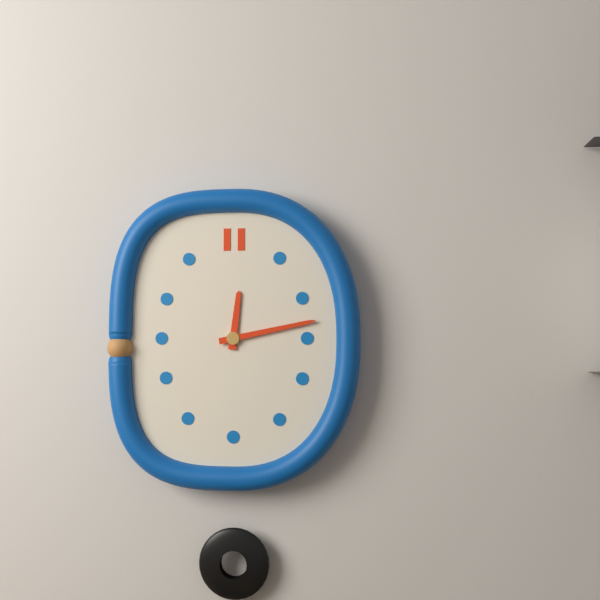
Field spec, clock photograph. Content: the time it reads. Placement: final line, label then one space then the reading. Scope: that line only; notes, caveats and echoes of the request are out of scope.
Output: 12:13
